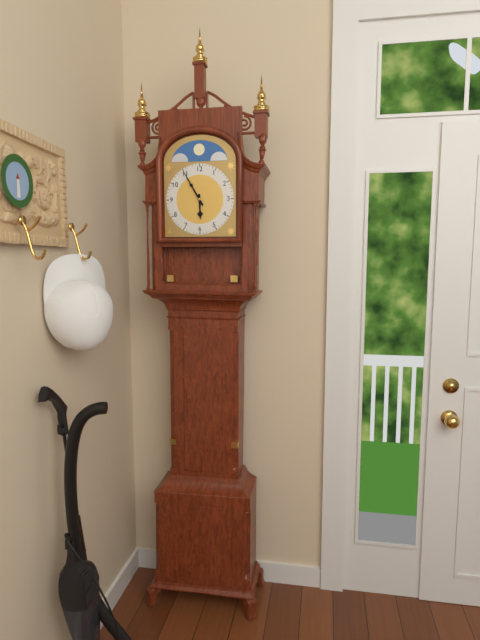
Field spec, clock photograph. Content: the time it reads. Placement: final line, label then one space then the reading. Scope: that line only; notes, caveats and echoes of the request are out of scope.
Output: 5:55
